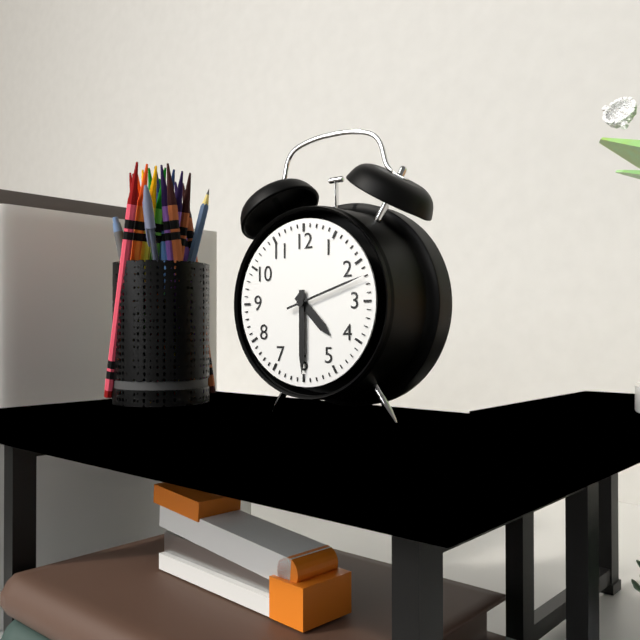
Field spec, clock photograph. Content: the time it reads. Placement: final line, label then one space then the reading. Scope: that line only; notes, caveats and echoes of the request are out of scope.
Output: 4:30:12
